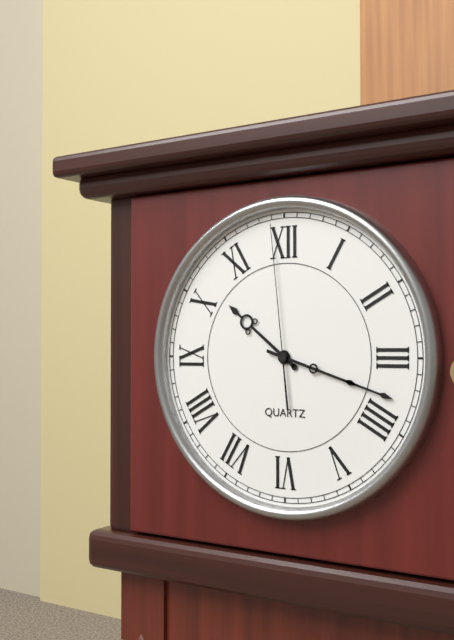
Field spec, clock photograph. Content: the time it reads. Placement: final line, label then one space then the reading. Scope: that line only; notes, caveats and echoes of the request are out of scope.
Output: 10:18:59
